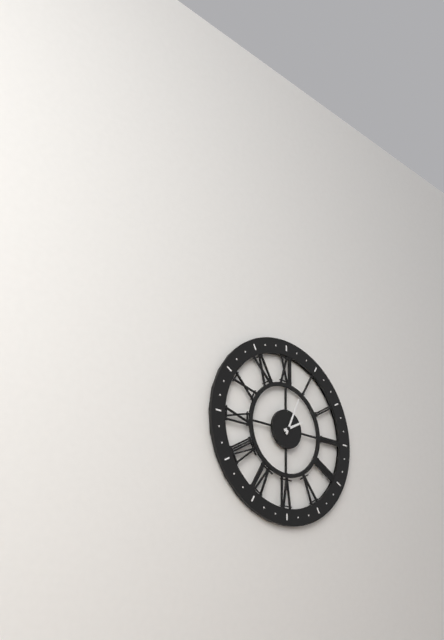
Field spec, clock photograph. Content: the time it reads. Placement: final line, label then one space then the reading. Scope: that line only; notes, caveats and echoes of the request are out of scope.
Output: 2:04
